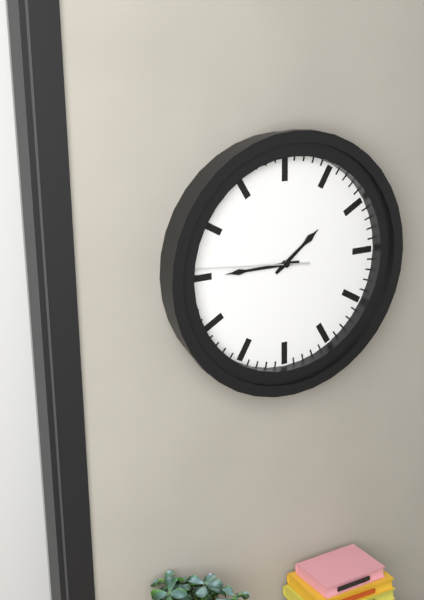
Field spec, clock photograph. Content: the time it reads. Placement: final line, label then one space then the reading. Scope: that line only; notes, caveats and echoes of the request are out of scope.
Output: 1:45:46
